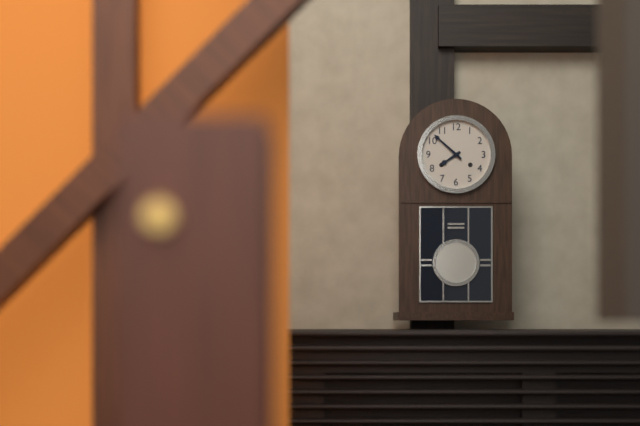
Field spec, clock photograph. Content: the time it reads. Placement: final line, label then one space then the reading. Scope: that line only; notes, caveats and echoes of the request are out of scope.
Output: 7:52
